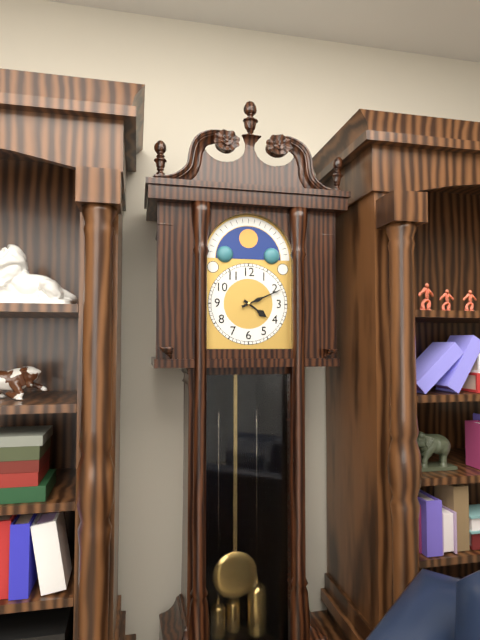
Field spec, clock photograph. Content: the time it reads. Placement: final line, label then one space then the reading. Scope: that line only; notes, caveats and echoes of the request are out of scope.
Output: 4:11
